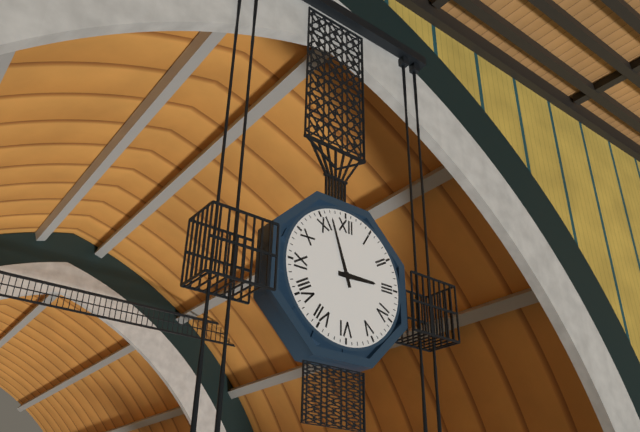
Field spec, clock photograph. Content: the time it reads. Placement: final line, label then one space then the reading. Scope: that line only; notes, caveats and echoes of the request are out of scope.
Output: 2:57
